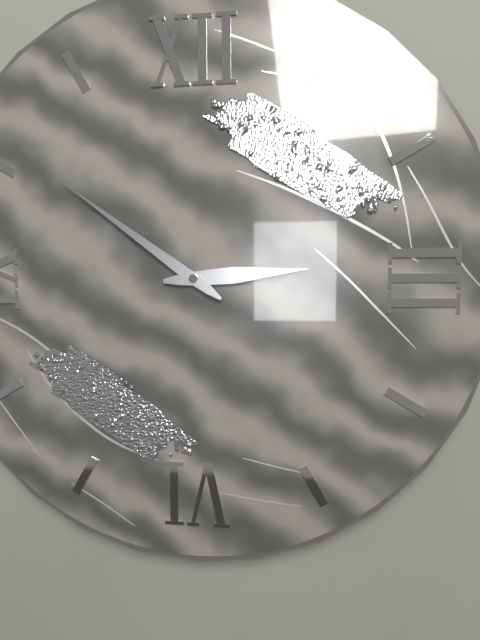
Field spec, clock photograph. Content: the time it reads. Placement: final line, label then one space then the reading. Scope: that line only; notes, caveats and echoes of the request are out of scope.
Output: 2:51
